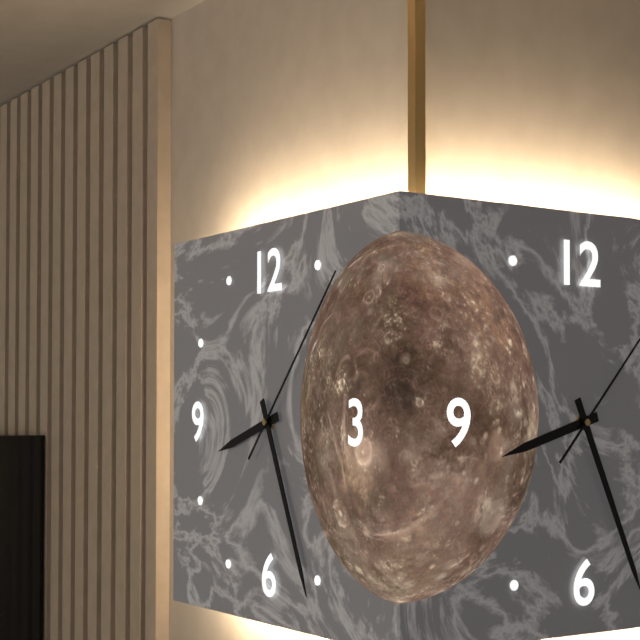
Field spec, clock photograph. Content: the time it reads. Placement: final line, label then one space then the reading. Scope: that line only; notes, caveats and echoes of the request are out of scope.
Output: 8:26:07
